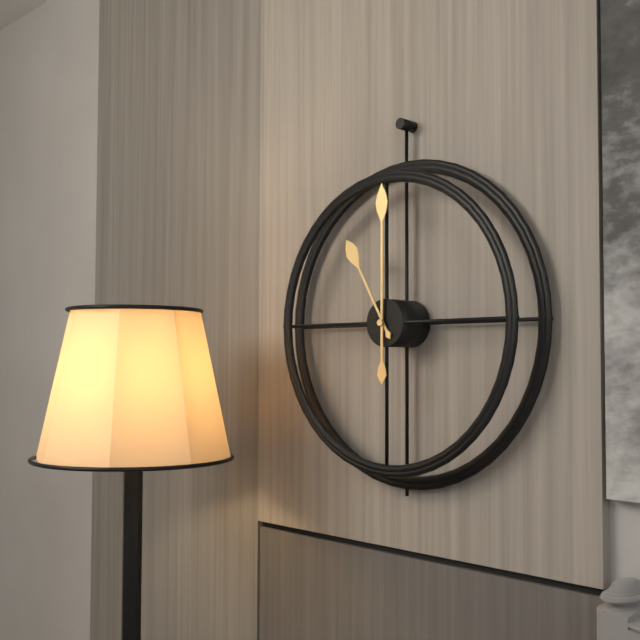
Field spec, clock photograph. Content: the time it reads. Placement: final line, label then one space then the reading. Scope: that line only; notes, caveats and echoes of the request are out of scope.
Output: 11:00
